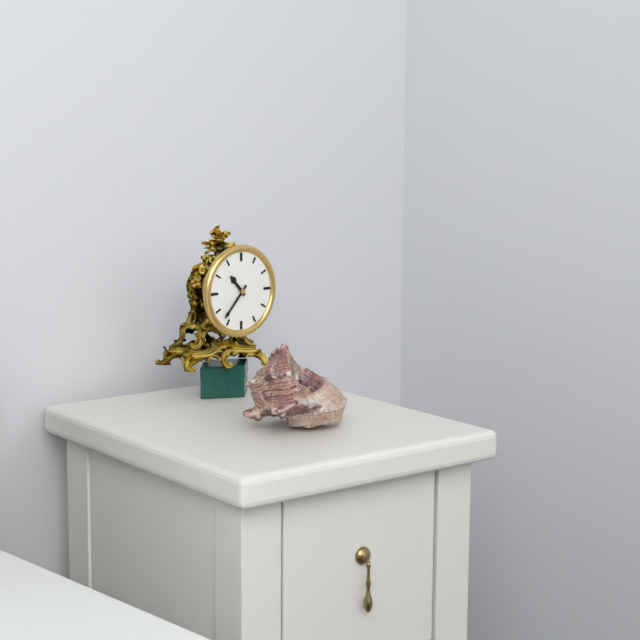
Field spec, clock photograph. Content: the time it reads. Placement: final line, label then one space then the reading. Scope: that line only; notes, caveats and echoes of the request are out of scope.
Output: 10:37
